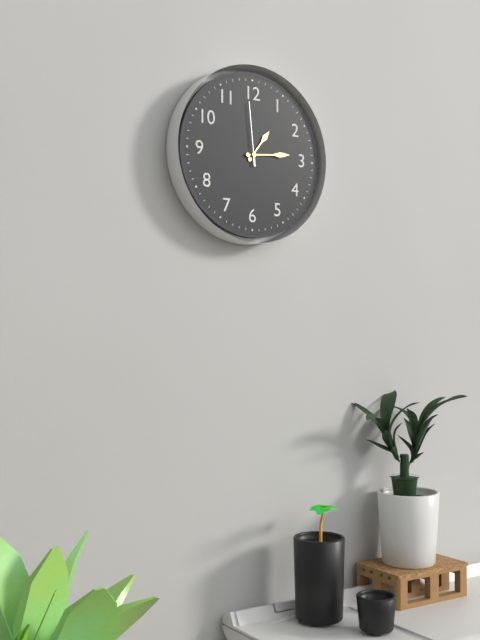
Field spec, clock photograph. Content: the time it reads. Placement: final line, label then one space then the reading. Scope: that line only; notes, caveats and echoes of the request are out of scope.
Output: 1:14:59
